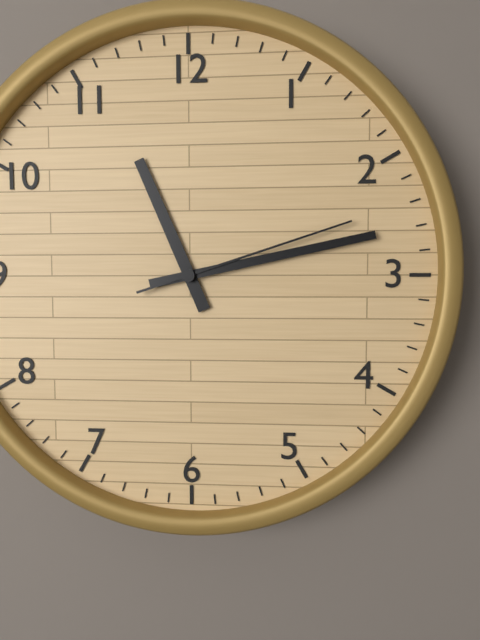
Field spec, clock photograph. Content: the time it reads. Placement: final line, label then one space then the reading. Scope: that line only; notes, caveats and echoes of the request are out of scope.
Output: 11:13:12
